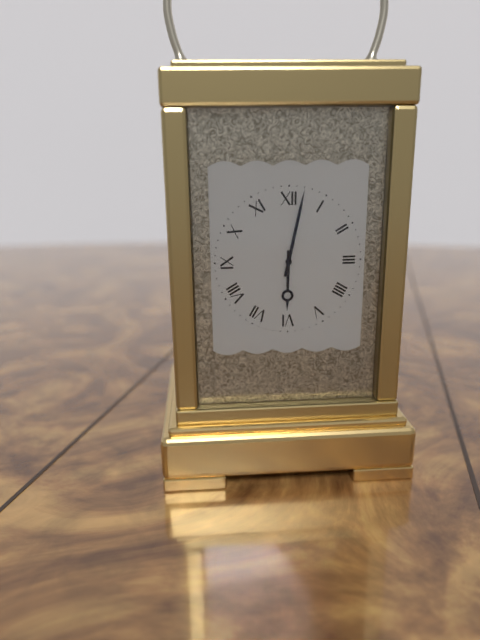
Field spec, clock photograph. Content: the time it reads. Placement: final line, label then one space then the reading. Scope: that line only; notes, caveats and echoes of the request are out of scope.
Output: 6:02
